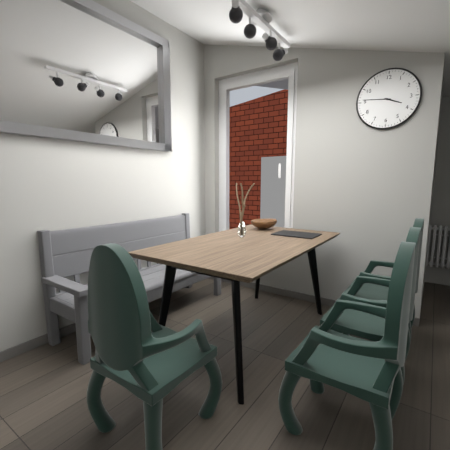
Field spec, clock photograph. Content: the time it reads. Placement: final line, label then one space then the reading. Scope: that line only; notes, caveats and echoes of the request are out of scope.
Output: 3:46
